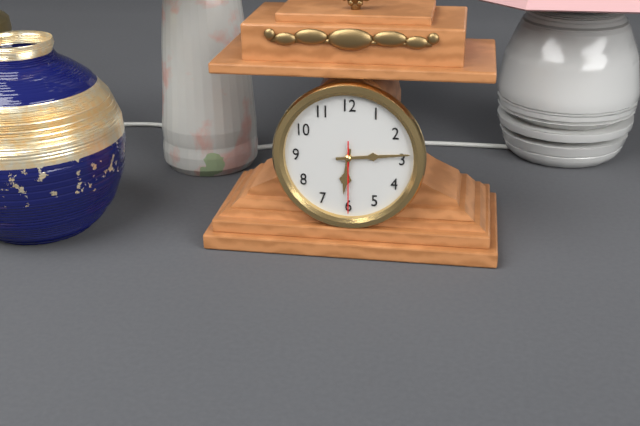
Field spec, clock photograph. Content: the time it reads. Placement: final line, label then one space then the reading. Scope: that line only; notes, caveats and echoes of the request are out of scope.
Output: 6:14:30
